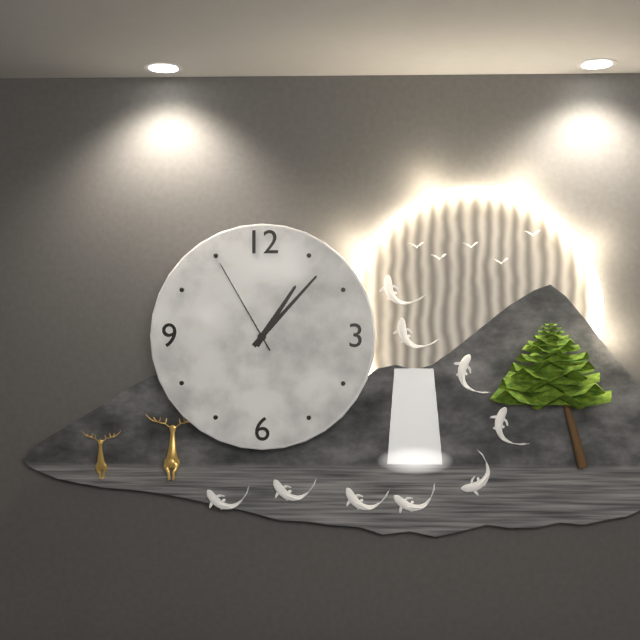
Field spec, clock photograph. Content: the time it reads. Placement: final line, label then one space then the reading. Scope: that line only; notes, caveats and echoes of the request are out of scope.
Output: 1:07:55
